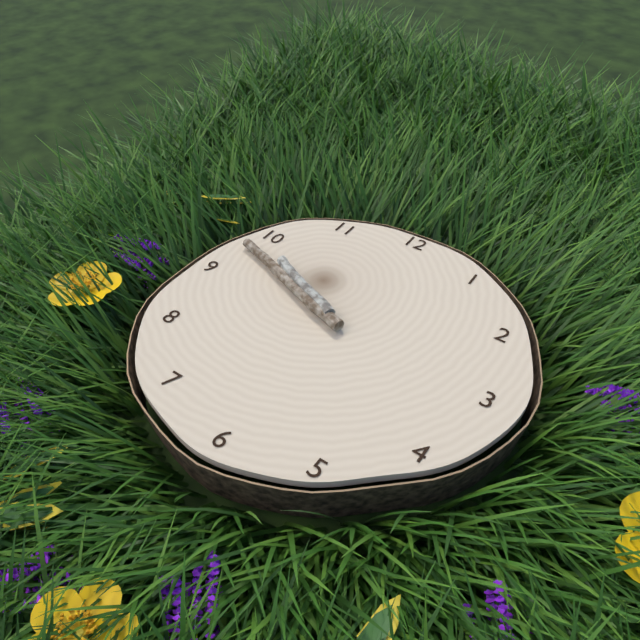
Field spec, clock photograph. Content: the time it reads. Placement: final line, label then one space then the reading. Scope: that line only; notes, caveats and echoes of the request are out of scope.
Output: 9:48
